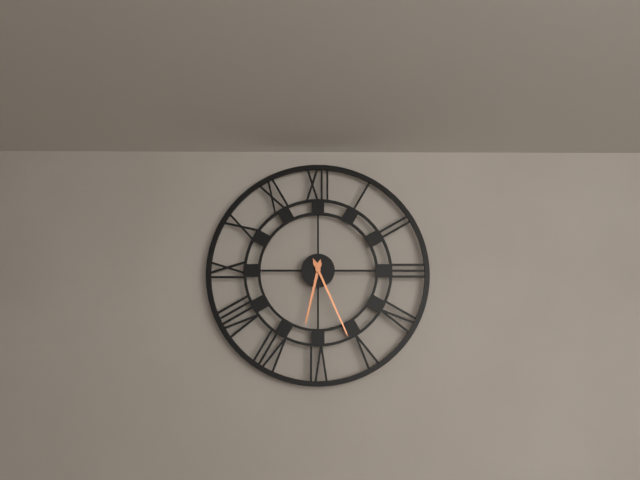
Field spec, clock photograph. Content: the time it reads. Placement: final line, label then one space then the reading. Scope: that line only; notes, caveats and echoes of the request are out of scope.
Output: 6:26
